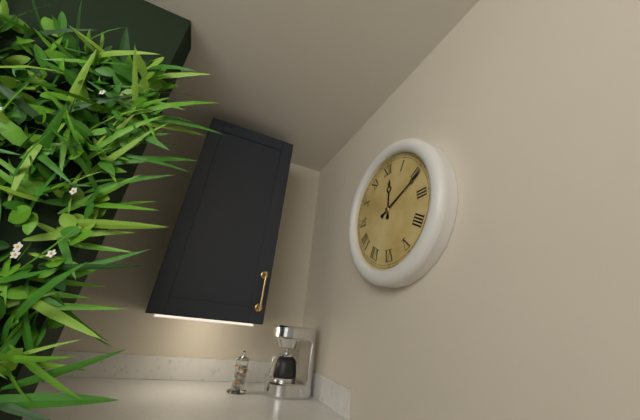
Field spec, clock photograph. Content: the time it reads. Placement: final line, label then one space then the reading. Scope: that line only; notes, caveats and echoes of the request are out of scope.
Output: 12:11
